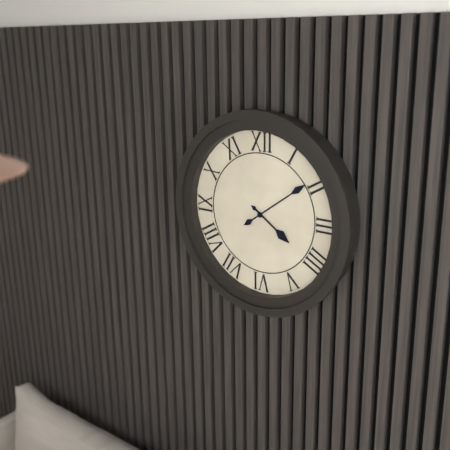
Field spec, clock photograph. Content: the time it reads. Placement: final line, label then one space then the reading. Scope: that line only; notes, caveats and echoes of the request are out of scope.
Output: 4:09
